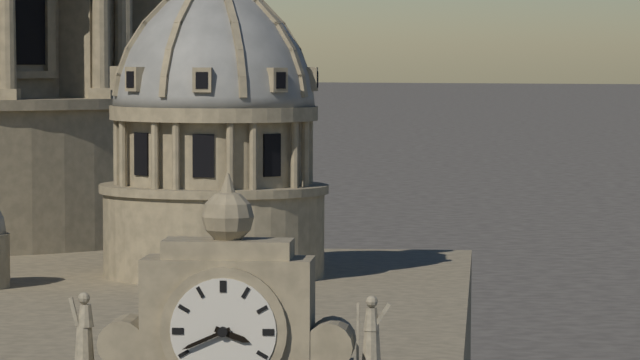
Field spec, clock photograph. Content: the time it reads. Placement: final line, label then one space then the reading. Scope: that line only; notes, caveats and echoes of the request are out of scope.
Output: 3:41
